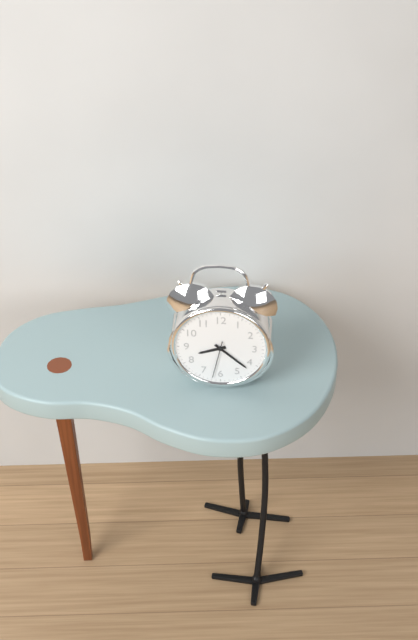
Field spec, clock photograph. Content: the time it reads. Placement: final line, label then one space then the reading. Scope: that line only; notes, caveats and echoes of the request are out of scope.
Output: 8:22
